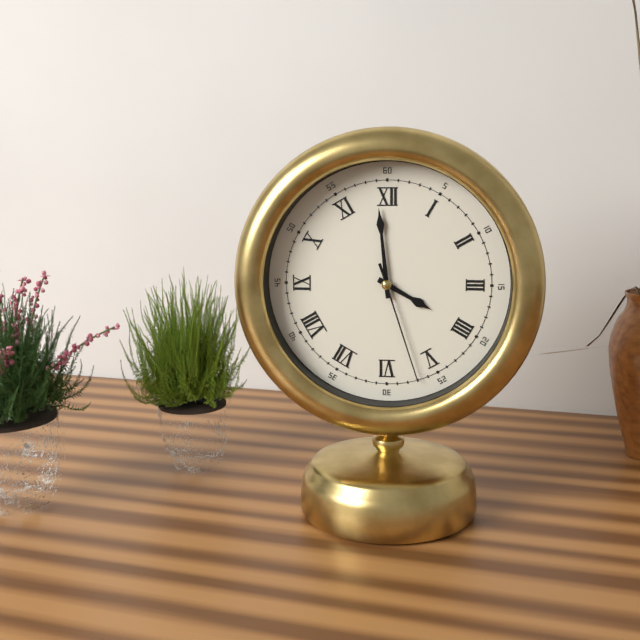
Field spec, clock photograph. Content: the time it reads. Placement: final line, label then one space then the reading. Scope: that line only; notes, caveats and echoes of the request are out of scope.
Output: 3:59:27
